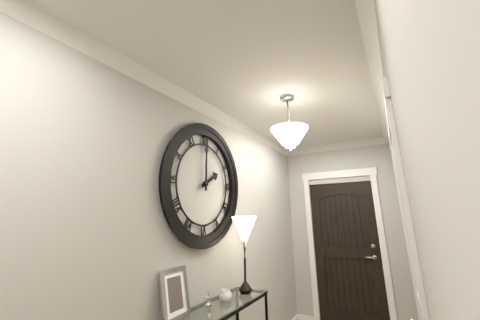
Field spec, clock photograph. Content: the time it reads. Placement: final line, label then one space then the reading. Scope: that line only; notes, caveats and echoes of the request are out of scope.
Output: 2:00
